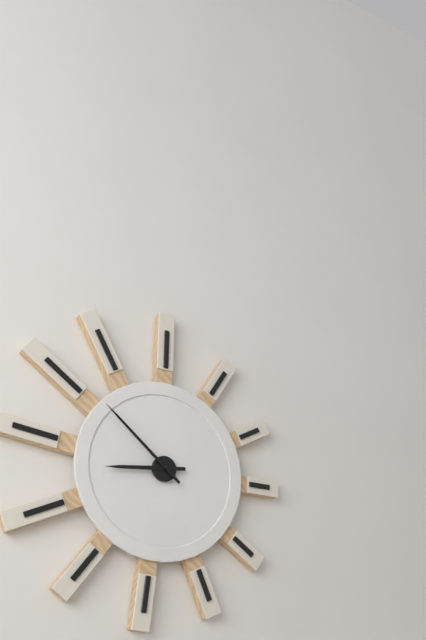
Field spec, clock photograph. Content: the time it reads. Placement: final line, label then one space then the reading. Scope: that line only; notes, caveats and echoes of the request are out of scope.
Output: 8:52
